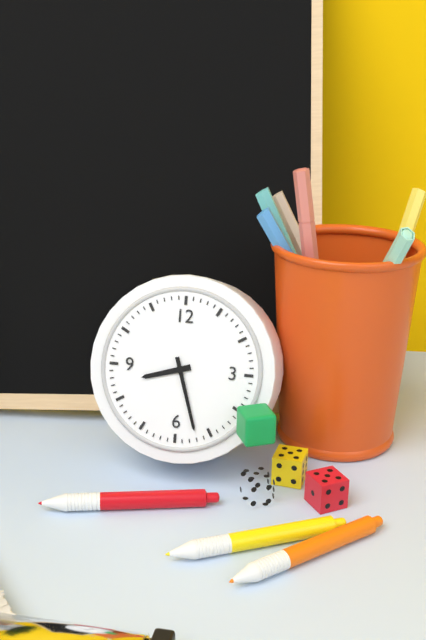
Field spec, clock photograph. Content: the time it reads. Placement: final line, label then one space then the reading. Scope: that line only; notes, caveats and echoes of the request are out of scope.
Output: 8:27
